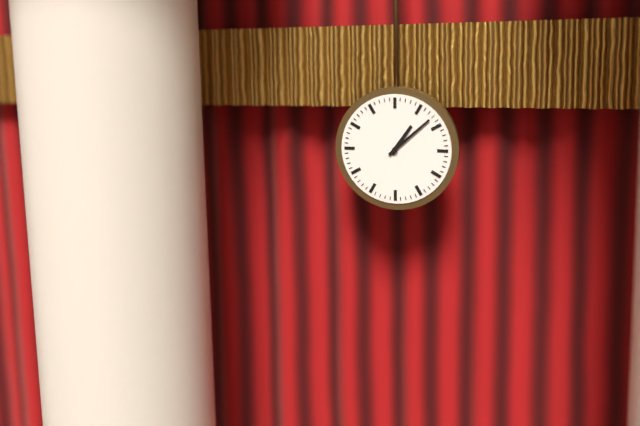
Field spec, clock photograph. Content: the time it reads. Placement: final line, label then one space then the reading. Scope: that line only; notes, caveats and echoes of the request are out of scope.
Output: 1:08
